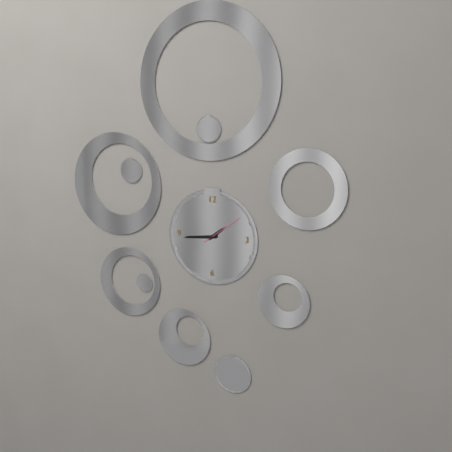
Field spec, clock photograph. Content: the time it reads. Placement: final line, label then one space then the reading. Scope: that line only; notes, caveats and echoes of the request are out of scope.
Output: 1:44
